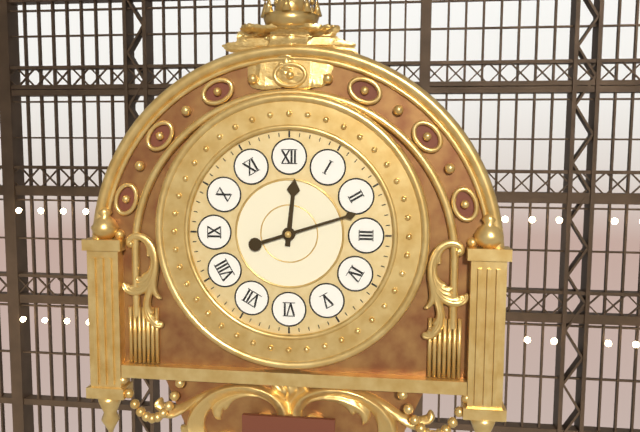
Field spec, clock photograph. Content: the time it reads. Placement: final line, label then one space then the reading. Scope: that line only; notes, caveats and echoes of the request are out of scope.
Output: 12:12
